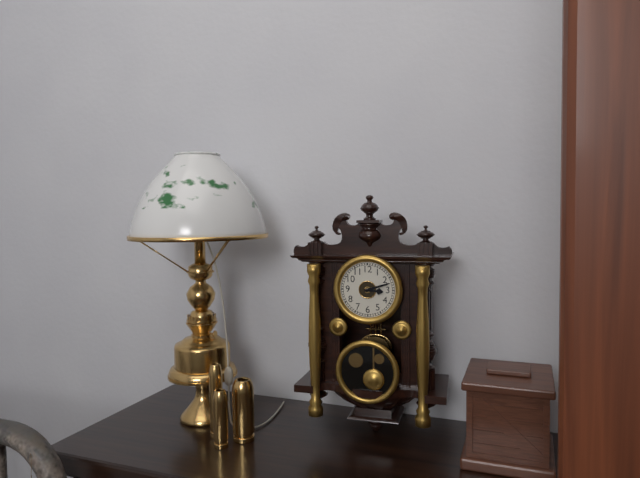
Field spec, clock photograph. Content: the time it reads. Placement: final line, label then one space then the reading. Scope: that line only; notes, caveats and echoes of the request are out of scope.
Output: 3:12
